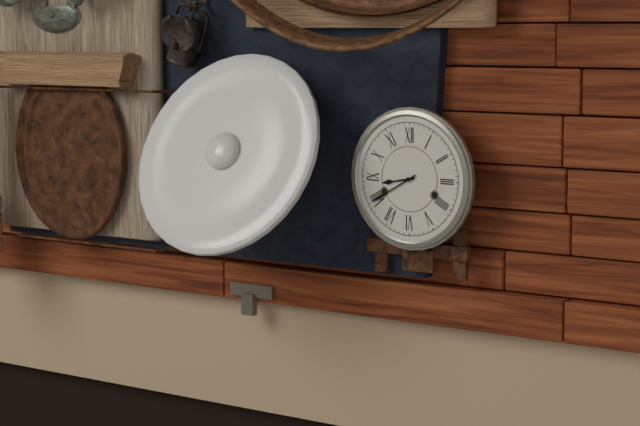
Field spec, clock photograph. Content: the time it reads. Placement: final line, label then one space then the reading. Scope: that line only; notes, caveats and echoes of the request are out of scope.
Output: 8:40
